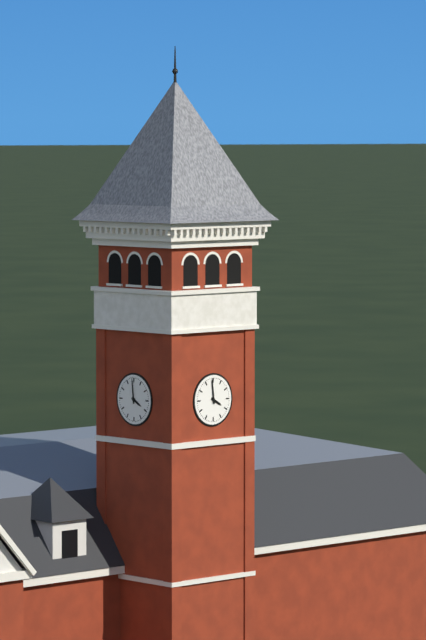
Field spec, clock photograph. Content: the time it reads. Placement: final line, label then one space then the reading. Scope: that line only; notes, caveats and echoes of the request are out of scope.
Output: 3:59
